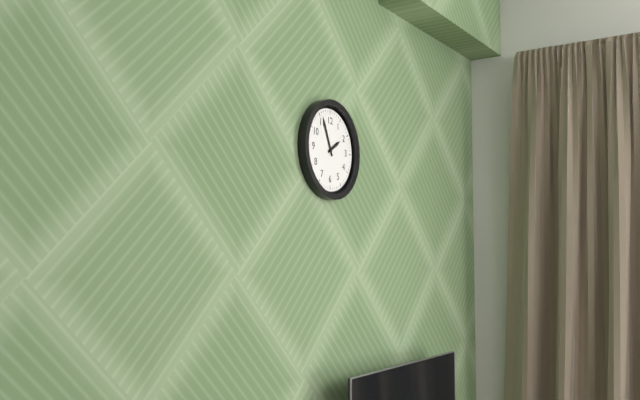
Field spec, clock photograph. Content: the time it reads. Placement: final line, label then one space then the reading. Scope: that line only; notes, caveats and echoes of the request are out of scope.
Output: 1:56
